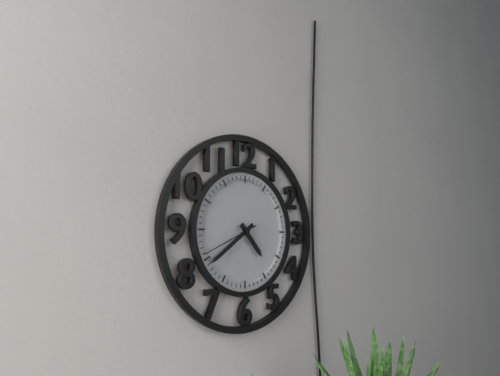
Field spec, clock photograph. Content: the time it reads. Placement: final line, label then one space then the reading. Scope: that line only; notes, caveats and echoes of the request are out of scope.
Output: 4:39:41
